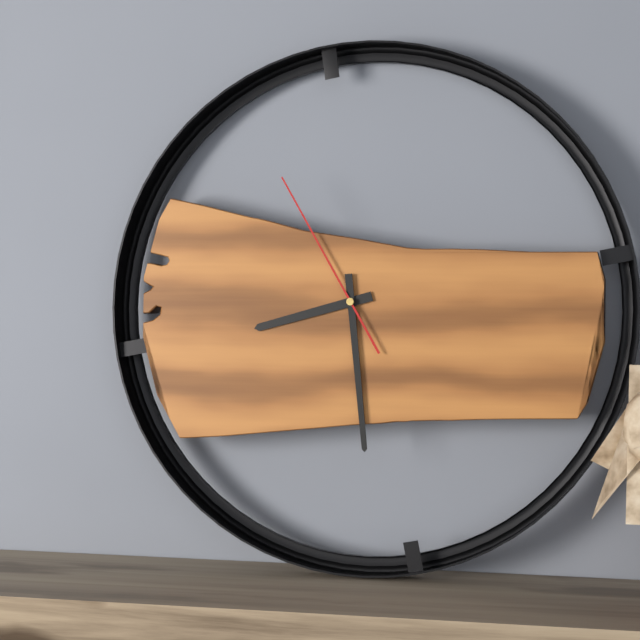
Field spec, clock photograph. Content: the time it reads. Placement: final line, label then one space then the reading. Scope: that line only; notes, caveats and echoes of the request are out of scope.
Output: 8:29:55
